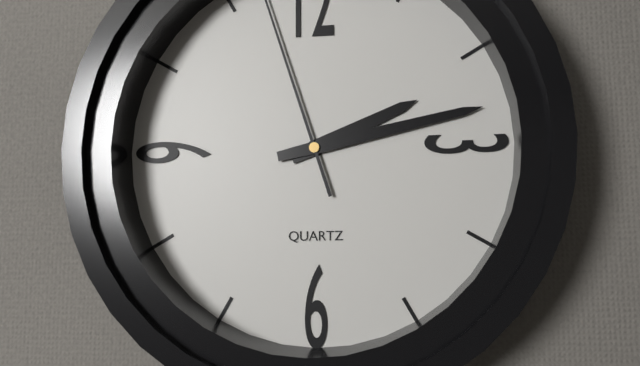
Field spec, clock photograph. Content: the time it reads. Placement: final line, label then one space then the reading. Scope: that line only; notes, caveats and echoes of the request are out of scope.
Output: 2:13
